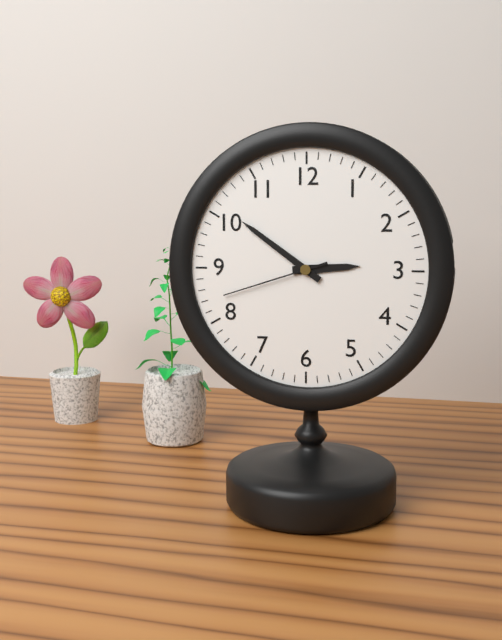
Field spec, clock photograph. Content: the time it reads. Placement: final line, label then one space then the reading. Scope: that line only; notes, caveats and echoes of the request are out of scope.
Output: 2:51:42
